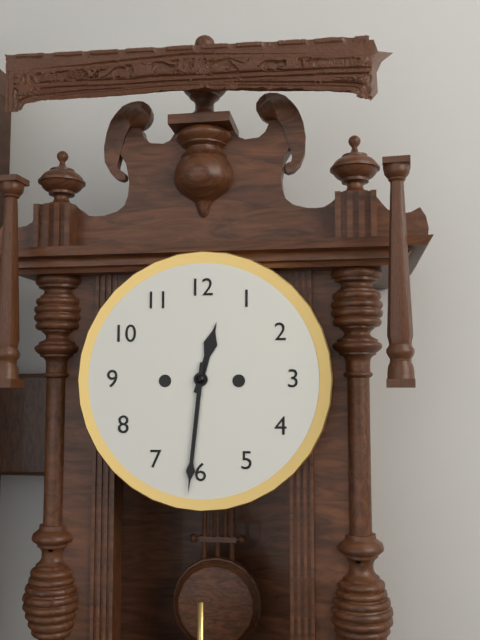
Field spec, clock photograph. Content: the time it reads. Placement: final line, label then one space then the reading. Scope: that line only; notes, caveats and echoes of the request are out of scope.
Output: 12:31
